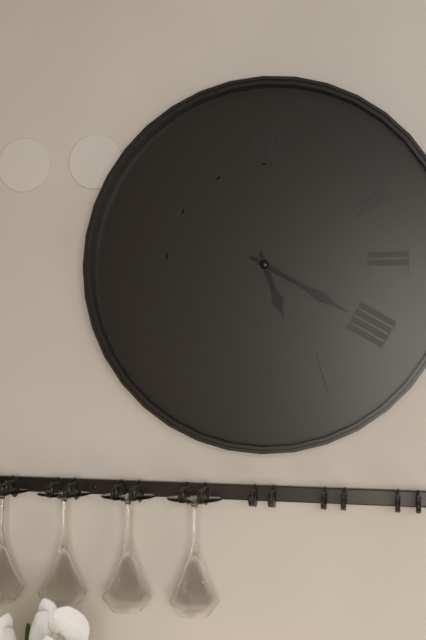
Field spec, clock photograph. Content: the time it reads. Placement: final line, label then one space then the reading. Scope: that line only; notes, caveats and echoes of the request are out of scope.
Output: 5:20
